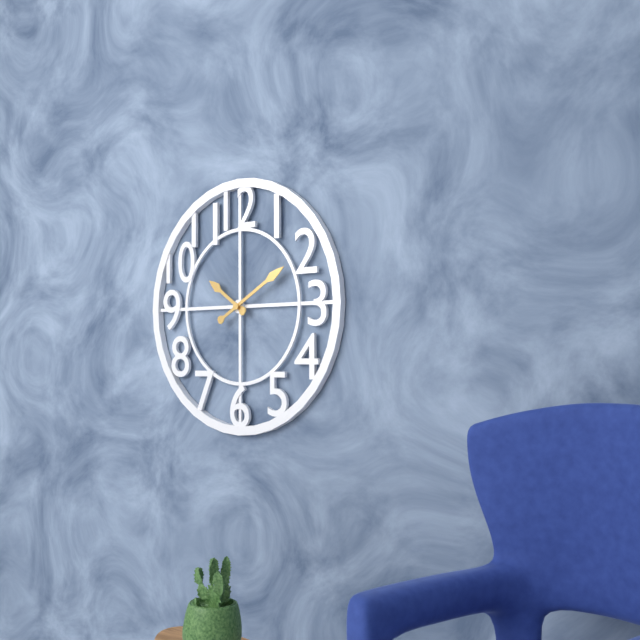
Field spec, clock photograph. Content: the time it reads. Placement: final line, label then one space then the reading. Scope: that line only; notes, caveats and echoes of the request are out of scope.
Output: 10:10
